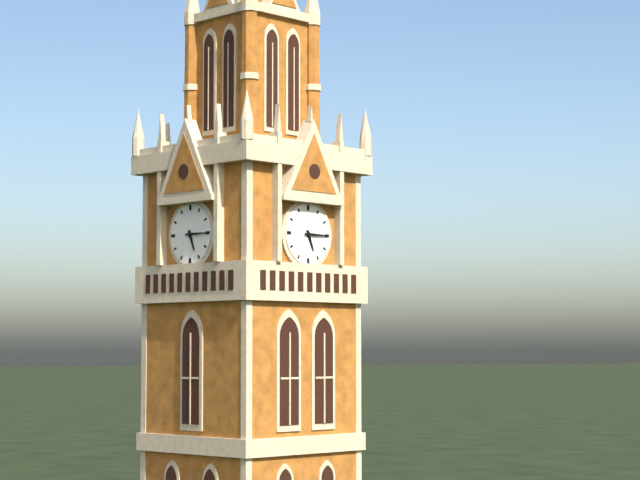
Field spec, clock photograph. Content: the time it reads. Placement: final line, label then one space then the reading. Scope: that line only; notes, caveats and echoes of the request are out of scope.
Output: 5:15
